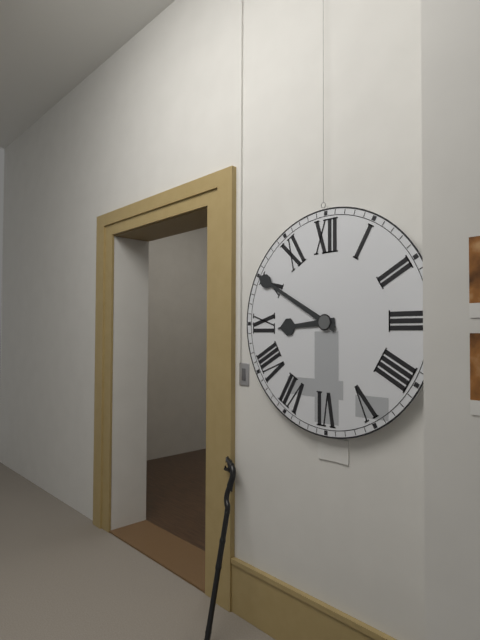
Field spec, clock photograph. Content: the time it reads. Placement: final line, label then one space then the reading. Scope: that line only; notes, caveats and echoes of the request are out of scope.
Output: 8:50
